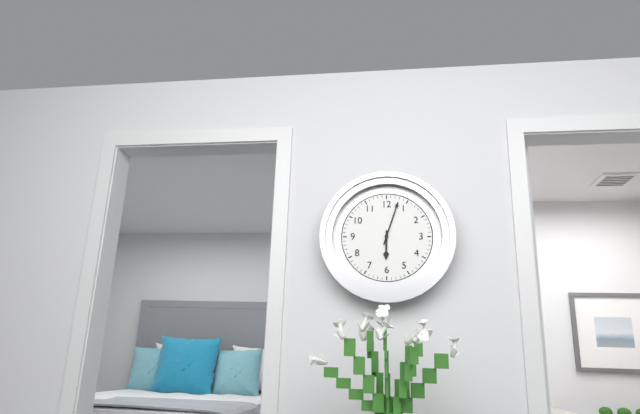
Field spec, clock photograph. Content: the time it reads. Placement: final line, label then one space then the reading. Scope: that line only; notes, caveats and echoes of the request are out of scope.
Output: 6:03
